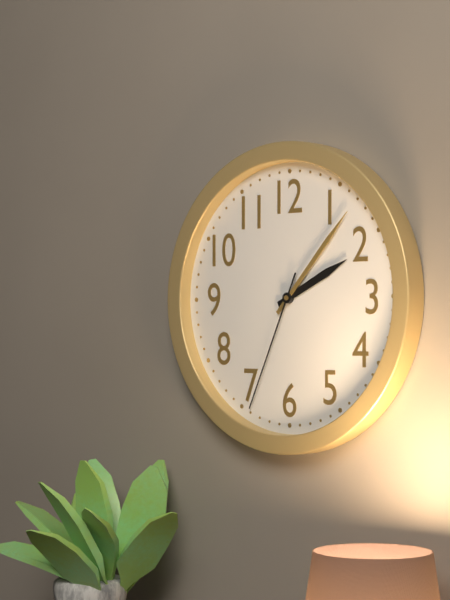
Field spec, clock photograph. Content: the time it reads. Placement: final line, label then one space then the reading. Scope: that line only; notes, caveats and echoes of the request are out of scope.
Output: 2:07:34
